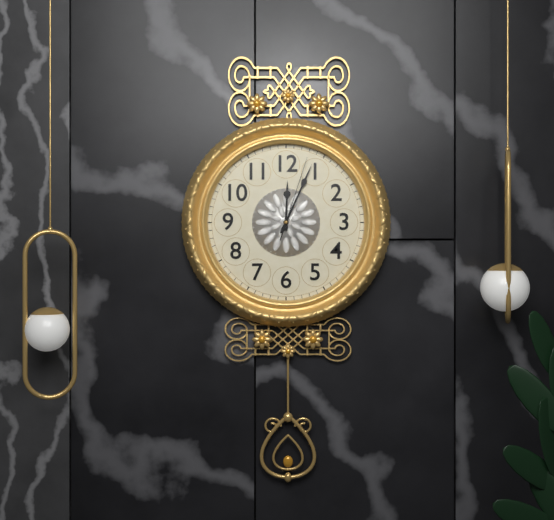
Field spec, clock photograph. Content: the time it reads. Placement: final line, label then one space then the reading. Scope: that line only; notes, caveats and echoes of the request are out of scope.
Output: 12:04:03
